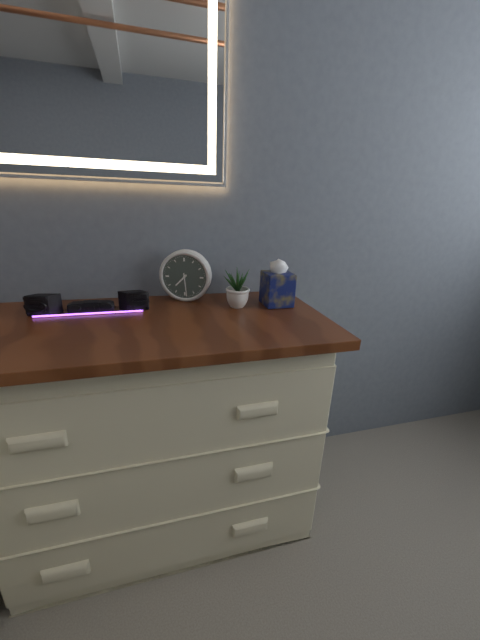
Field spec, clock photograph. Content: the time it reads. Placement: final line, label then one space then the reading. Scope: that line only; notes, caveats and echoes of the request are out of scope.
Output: 7:29
